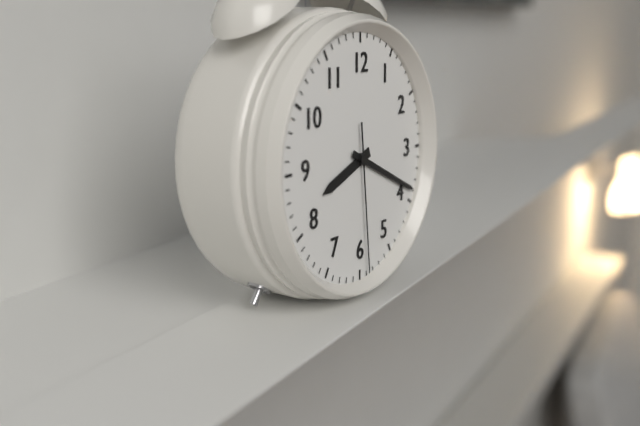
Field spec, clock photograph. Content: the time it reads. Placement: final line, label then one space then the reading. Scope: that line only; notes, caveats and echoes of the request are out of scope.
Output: 8:19:29
